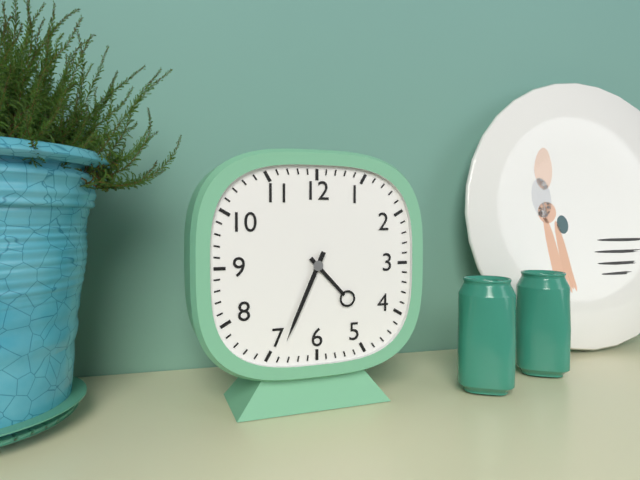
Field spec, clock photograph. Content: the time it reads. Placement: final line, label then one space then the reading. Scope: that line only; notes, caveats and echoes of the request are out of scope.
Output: 4:34
